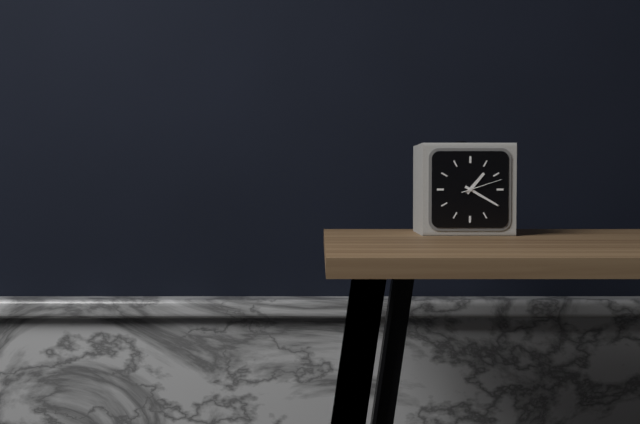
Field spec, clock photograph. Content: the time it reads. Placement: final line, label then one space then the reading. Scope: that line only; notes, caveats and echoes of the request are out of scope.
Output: 1:20
